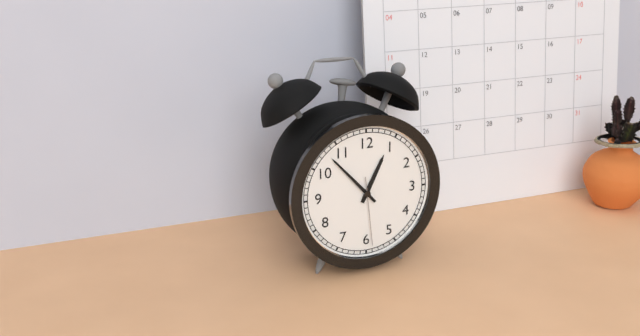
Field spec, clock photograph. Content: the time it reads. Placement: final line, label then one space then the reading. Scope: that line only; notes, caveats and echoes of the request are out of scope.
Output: 12:53:29
